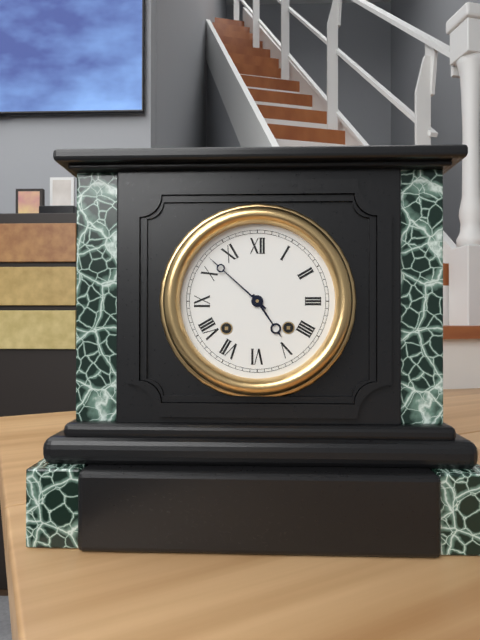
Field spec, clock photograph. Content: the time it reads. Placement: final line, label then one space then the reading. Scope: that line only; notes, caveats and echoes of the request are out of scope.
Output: 4:52
